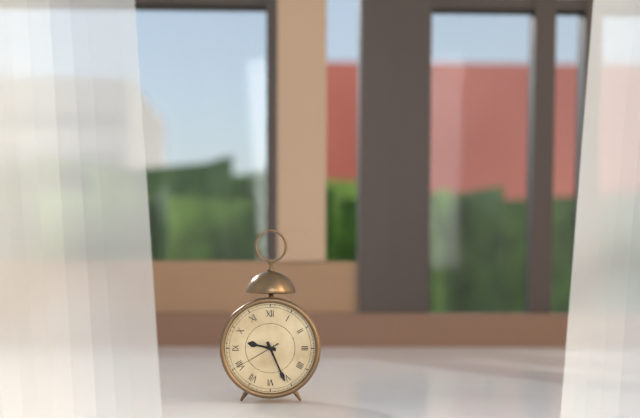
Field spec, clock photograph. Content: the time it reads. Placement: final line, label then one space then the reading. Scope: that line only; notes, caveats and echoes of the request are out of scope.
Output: 9:26
